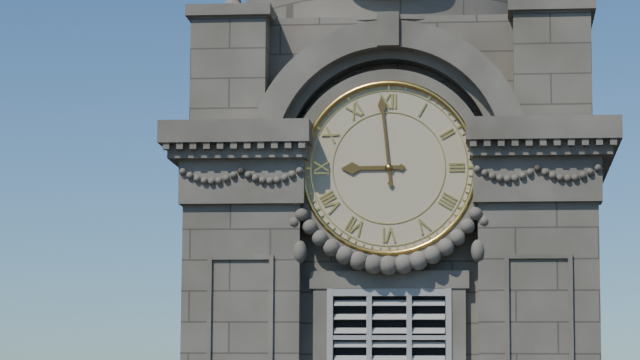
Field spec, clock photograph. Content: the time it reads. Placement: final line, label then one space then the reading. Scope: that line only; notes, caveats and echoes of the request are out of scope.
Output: 8:59
